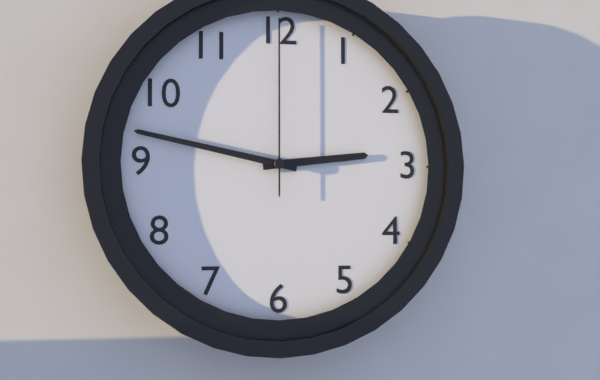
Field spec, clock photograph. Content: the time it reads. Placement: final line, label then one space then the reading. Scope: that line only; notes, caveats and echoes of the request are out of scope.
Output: 2:47:00
